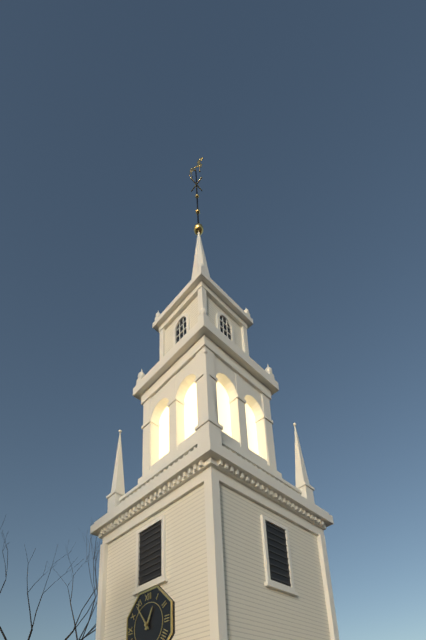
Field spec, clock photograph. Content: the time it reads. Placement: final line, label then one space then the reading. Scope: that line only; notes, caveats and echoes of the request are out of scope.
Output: 12:54
